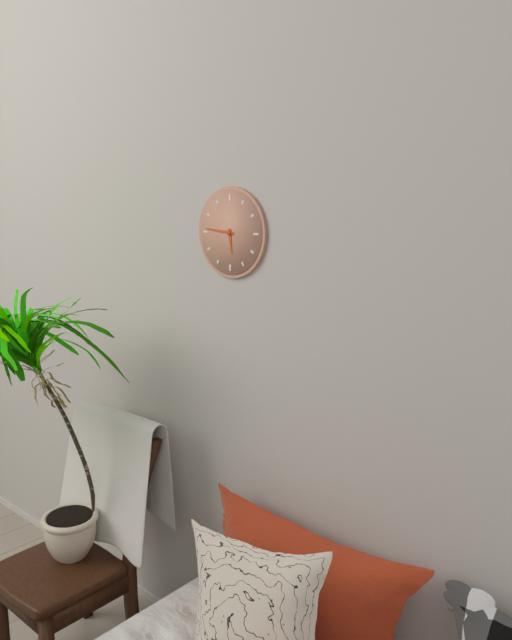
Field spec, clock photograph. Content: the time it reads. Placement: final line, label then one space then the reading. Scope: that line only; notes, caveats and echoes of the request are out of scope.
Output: 5:46
